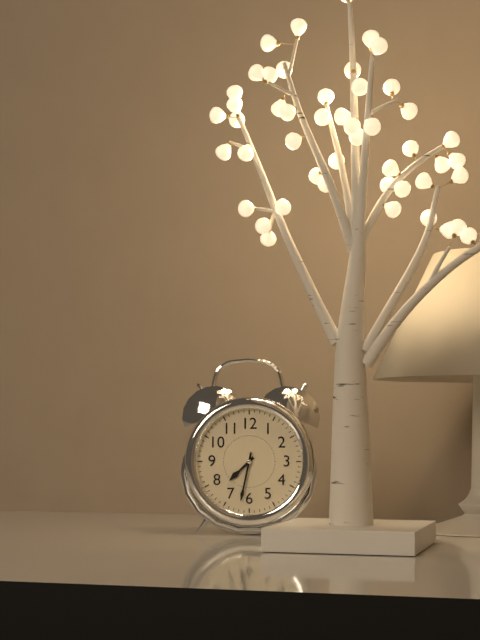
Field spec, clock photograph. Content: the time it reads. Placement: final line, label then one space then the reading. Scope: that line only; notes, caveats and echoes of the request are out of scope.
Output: 7:32
